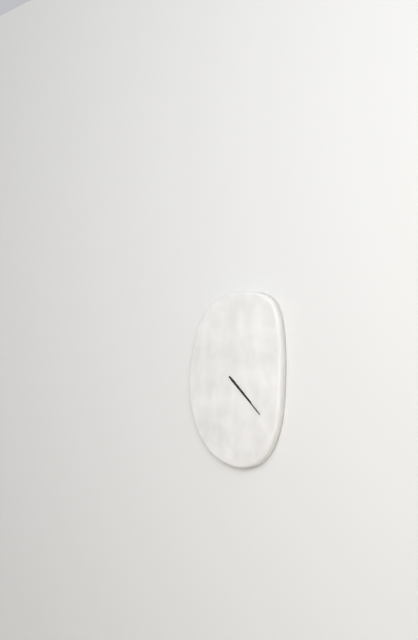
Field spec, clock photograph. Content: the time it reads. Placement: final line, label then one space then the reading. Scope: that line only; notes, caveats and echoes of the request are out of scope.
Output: 4:22
